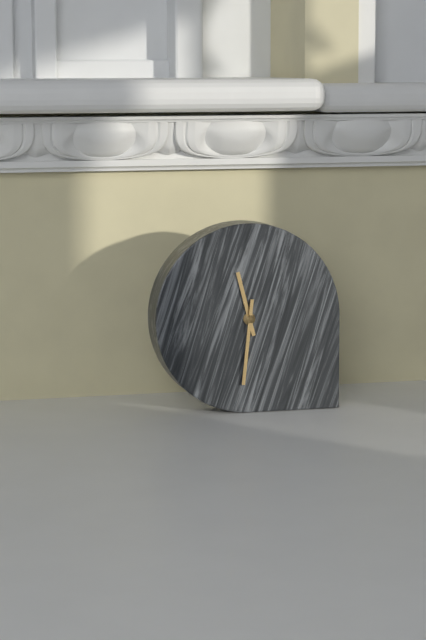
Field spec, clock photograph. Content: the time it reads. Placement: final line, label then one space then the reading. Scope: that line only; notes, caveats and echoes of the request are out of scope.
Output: 11:31
